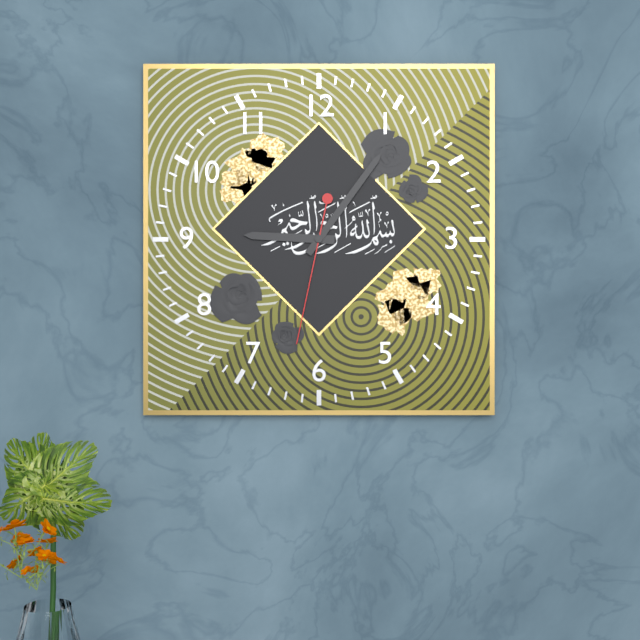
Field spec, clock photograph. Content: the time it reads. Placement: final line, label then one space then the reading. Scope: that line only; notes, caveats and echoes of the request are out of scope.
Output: 9:06:32
